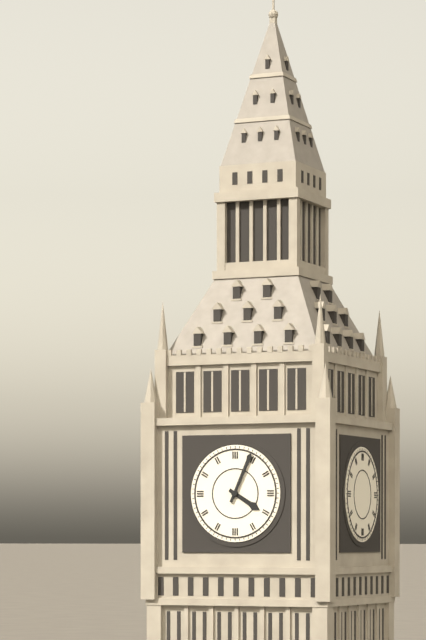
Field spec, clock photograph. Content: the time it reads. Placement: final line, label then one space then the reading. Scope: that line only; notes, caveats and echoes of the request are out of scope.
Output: 4:04
